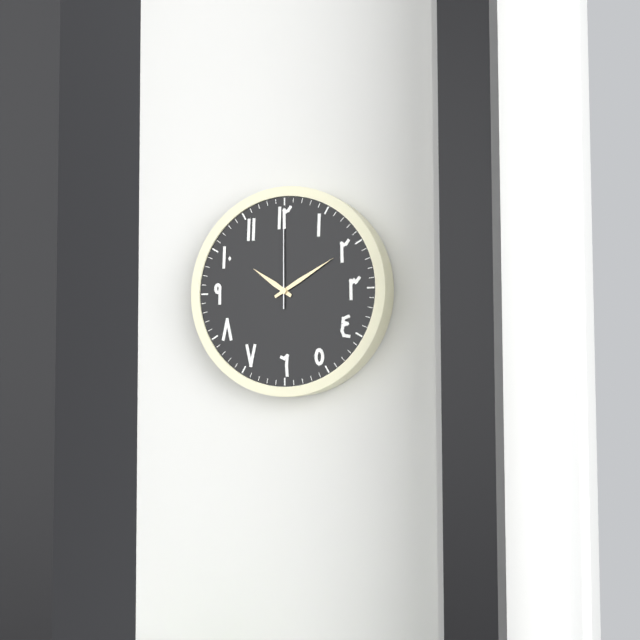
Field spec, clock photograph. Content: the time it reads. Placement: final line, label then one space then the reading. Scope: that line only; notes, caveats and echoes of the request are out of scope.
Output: 10:10:00
